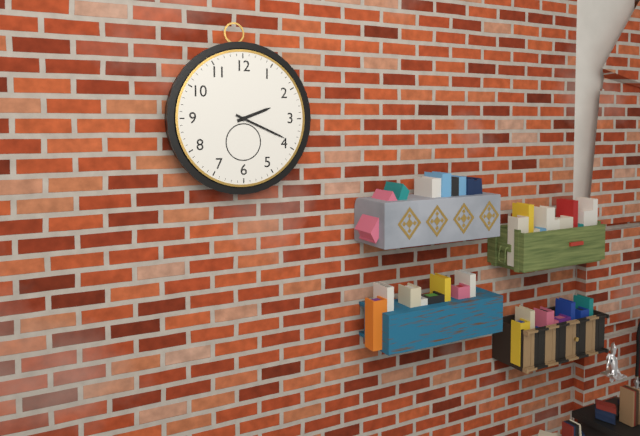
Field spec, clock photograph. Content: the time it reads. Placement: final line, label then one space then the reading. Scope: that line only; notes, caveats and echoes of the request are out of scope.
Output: 2:19
